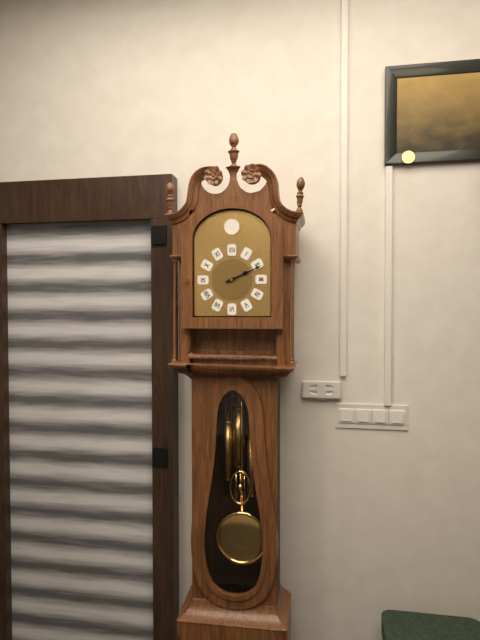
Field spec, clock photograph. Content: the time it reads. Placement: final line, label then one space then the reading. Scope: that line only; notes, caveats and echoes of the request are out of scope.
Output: 2:11
